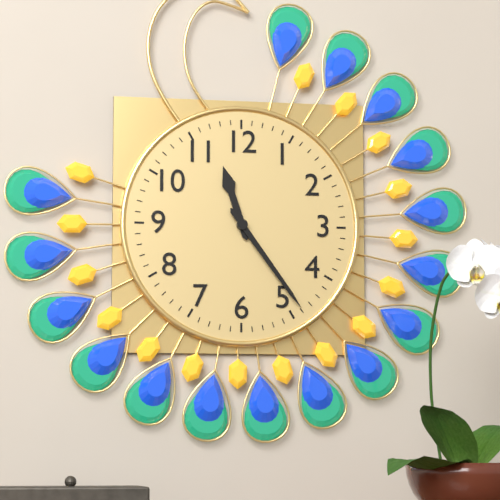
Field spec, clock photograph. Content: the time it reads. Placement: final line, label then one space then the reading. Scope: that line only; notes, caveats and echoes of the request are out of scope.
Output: 11:24
